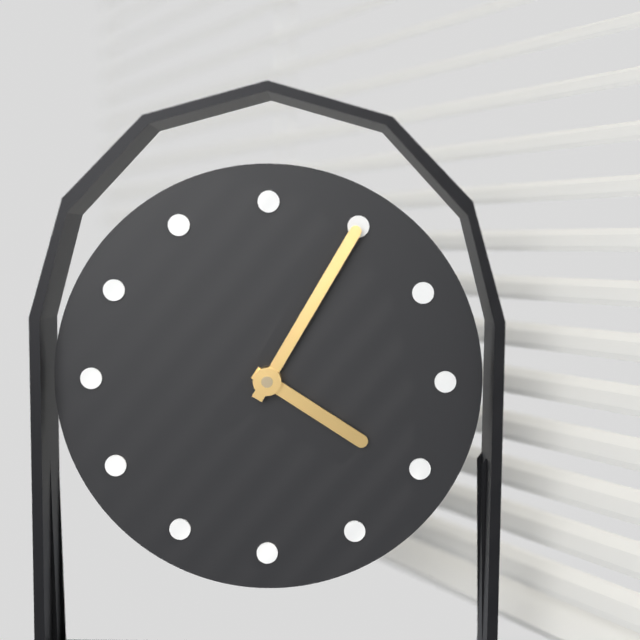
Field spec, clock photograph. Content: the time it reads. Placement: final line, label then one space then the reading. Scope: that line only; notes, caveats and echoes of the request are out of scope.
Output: 4:05
